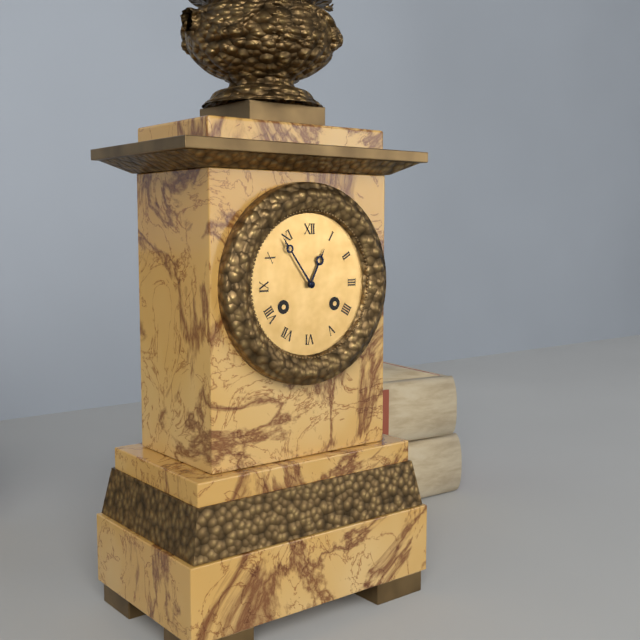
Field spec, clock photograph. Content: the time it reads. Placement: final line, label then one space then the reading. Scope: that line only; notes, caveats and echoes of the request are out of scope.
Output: 12:54
